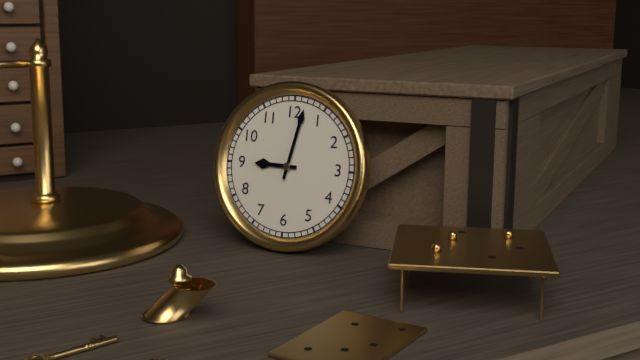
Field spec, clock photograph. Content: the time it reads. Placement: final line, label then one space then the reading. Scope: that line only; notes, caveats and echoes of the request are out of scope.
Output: 9:02
